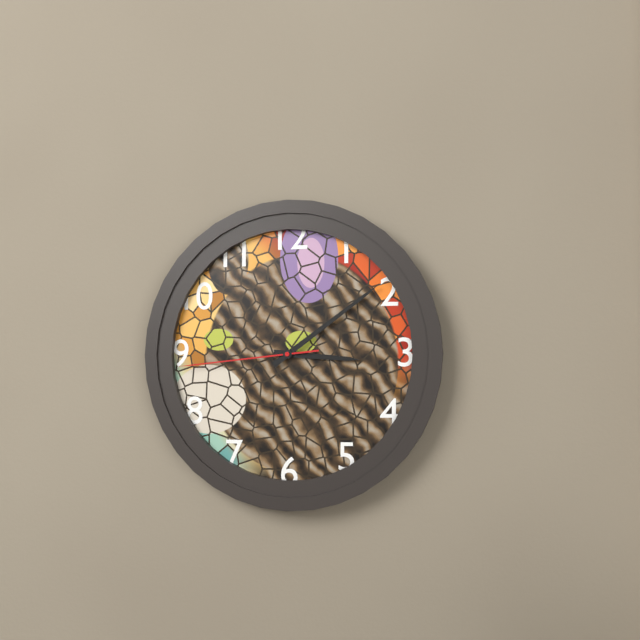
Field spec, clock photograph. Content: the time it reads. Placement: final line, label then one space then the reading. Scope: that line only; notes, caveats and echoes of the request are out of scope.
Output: 3:09:44
